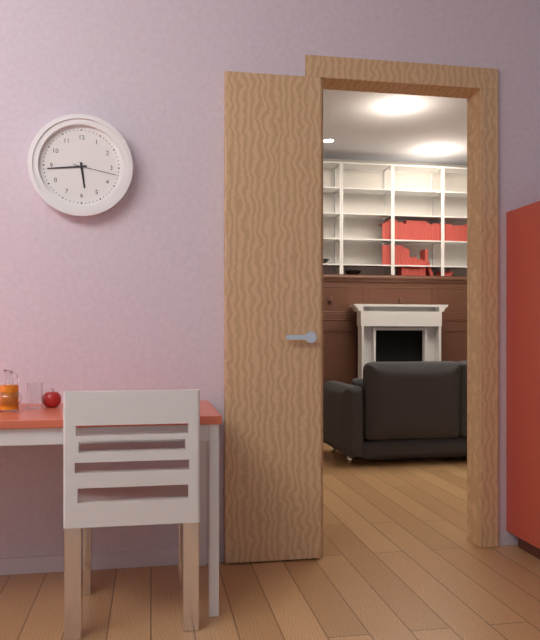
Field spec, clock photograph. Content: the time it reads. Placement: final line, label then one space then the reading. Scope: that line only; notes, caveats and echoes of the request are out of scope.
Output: 5:44
